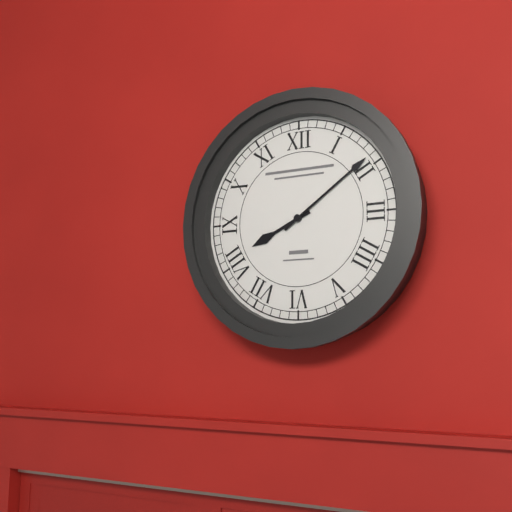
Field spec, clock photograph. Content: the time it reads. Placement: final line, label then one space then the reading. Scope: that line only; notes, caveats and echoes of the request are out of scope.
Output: 8:09
